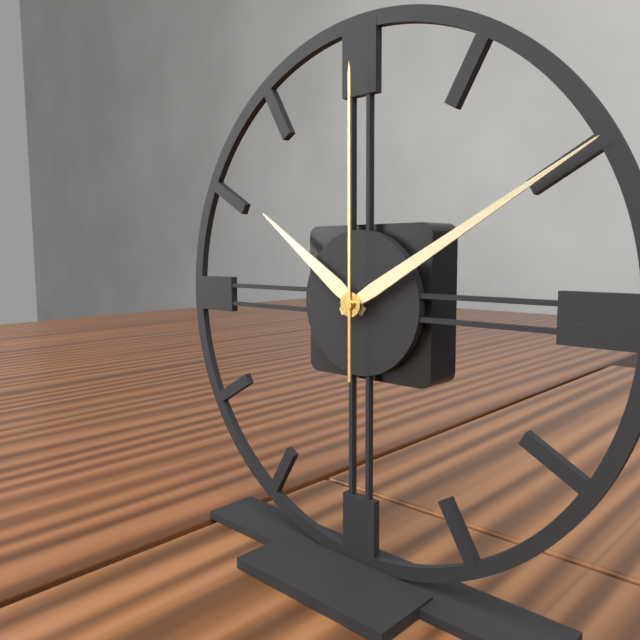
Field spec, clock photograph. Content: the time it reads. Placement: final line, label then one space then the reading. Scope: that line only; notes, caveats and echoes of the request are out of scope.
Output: 10:10:00
